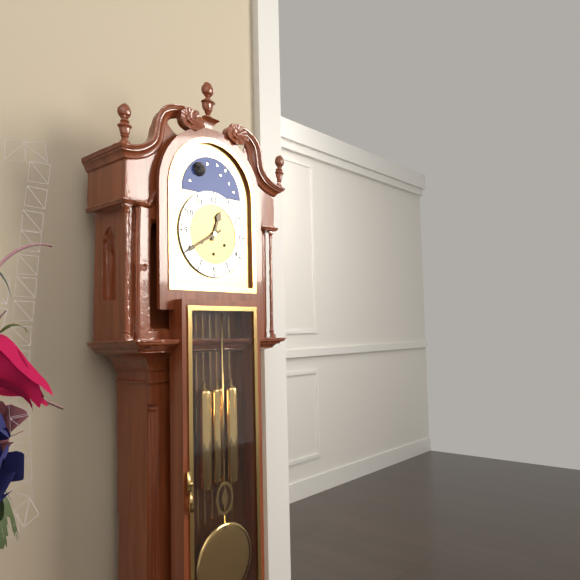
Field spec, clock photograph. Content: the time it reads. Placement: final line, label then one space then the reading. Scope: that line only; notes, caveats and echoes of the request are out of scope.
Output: 12:40
